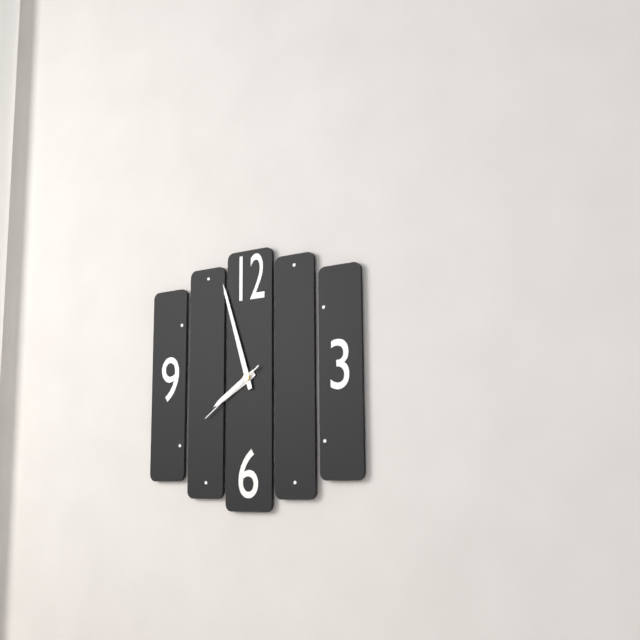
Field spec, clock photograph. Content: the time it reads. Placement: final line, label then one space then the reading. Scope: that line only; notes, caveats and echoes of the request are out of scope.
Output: 7:57:39
